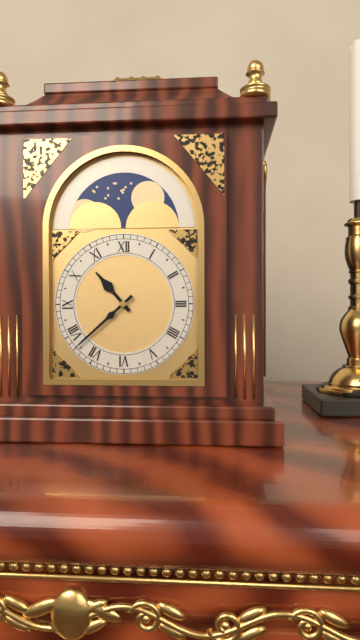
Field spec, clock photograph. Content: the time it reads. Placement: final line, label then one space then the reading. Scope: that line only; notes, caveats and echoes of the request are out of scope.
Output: 10:38
